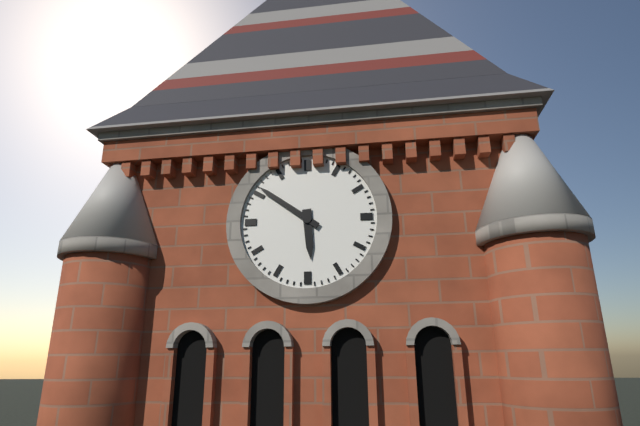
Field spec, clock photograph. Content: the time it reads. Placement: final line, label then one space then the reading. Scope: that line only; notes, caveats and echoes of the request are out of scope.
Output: 5:51
